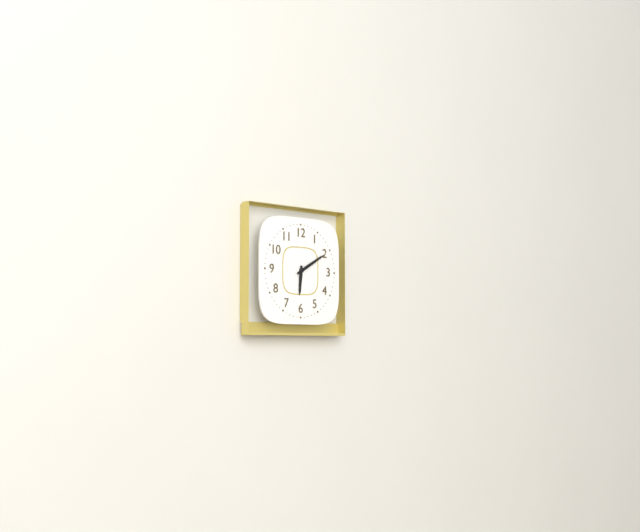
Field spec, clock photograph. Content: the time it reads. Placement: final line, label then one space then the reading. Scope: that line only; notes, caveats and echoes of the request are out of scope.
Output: 6:10
